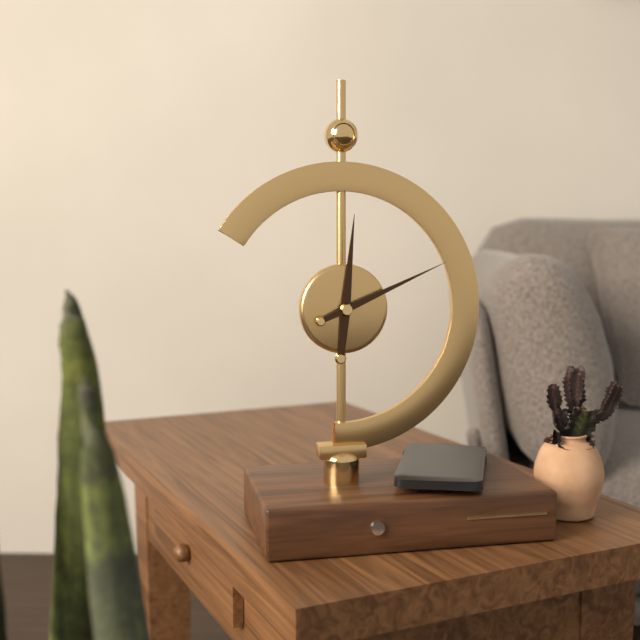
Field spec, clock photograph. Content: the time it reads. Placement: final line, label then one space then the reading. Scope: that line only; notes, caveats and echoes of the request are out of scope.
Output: 12:11
